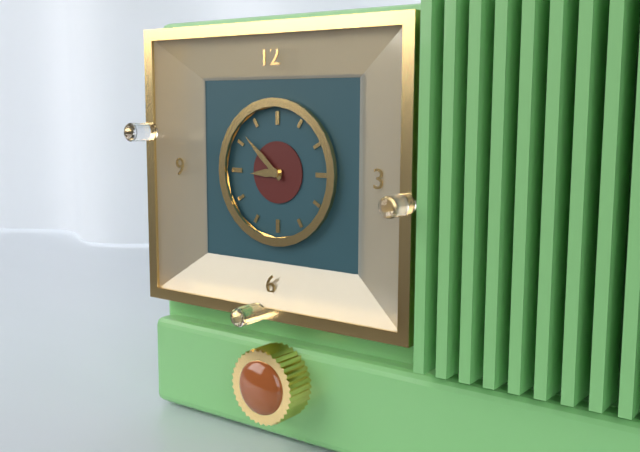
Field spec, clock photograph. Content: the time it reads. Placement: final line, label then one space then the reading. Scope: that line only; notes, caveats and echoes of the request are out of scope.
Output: 8:52
